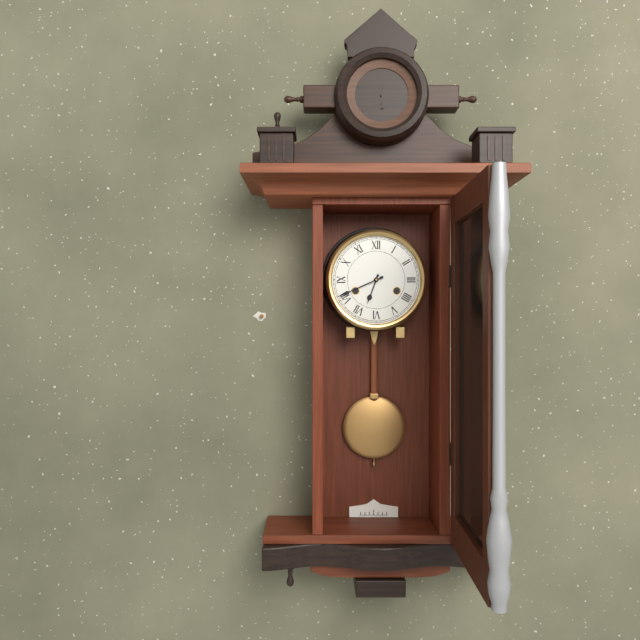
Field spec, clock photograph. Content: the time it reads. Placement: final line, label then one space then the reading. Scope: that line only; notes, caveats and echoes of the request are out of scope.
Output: 6:41
